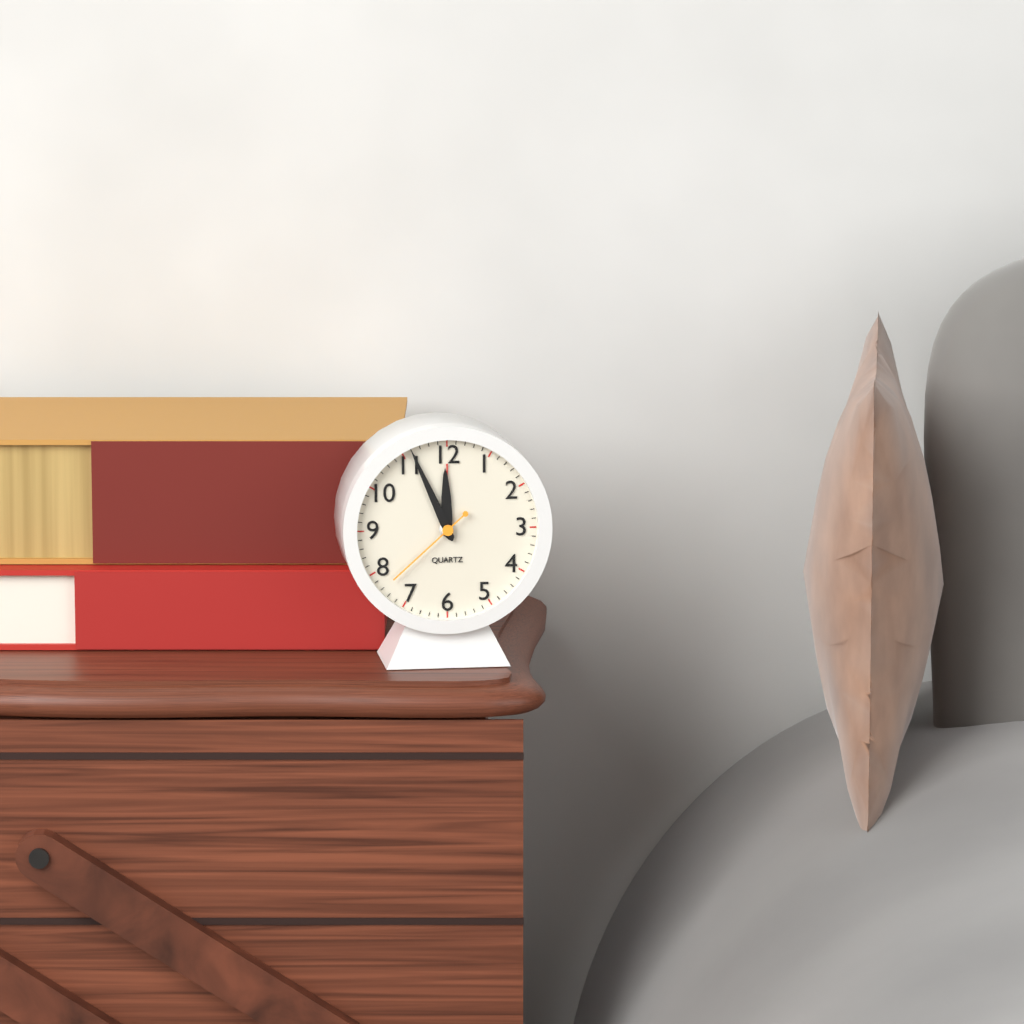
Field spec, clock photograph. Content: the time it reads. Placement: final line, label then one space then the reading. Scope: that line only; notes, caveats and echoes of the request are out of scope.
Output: 11:56:38
